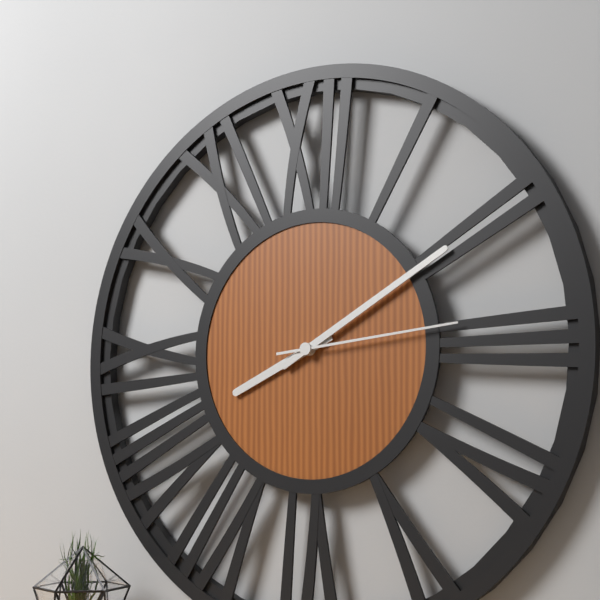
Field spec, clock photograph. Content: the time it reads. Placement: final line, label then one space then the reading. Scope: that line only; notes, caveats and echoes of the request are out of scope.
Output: 8:10:14
